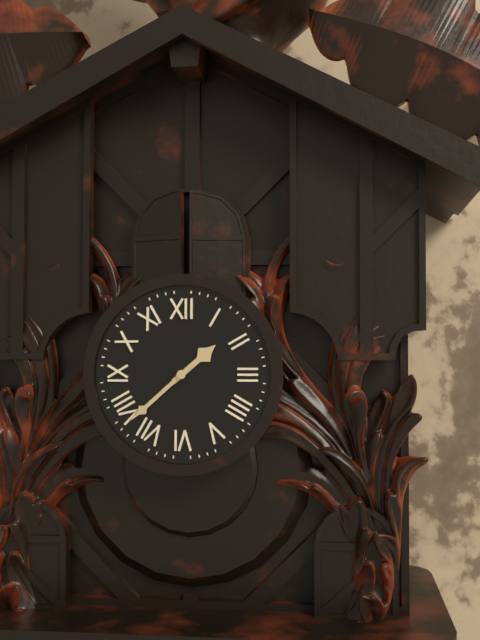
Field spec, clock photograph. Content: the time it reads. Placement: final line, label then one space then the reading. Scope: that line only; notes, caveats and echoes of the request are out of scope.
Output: 1:38
